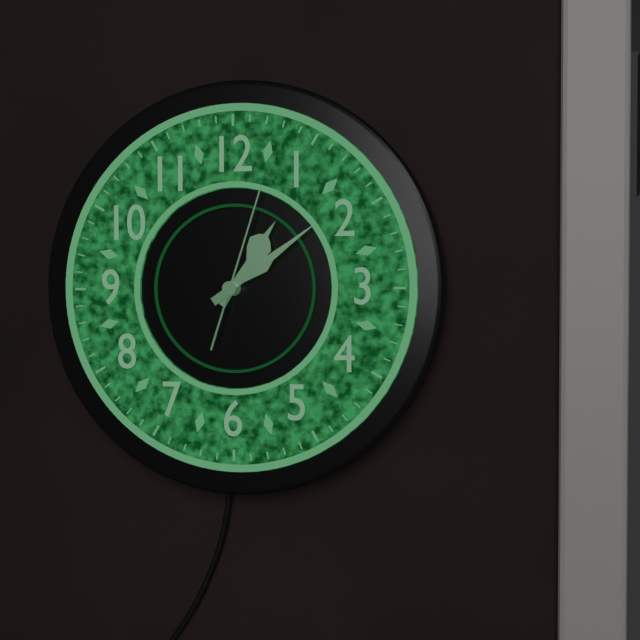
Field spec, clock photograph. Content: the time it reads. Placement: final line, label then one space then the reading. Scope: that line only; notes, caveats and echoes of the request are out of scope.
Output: 1:09:03
